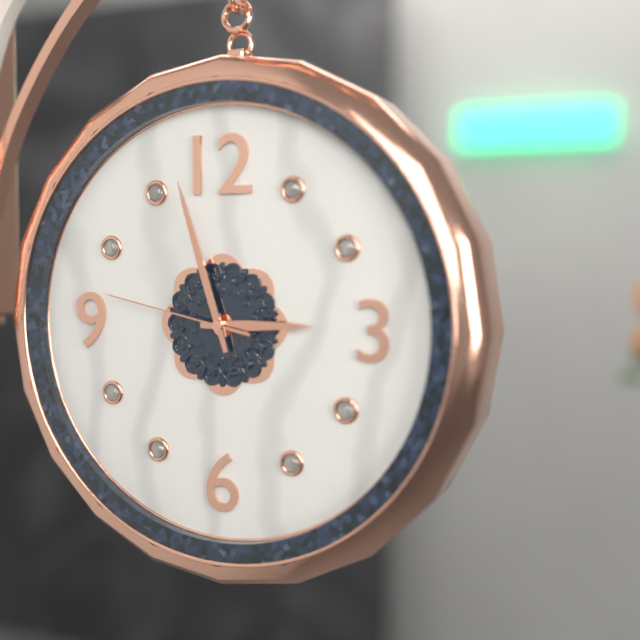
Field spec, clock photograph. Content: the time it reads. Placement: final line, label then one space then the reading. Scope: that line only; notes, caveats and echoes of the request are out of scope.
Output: 2:57:47
